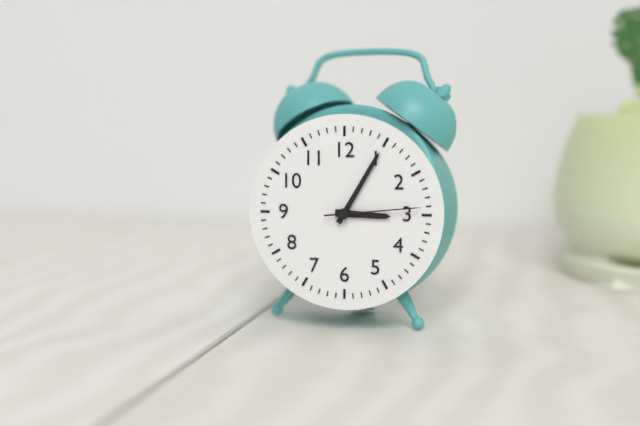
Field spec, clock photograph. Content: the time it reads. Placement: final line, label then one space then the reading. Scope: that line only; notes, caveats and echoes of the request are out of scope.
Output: 3:05:14
